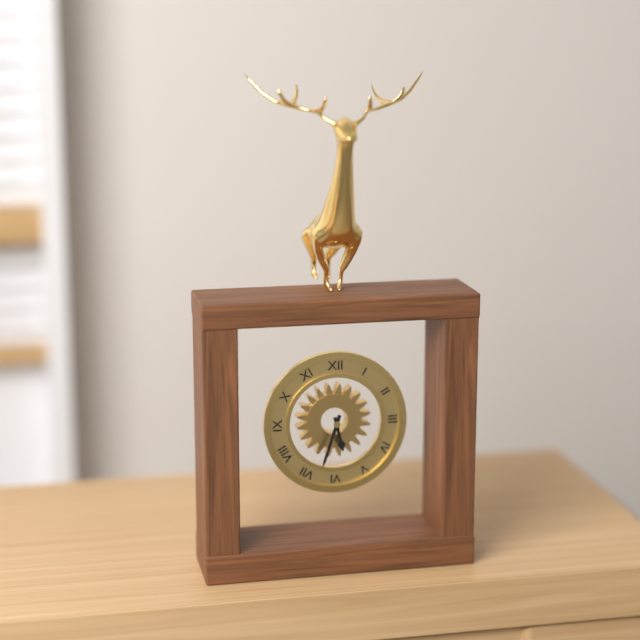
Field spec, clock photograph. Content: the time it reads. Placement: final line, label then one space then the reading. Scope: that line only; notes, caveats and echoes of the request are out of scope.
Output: 5:33
